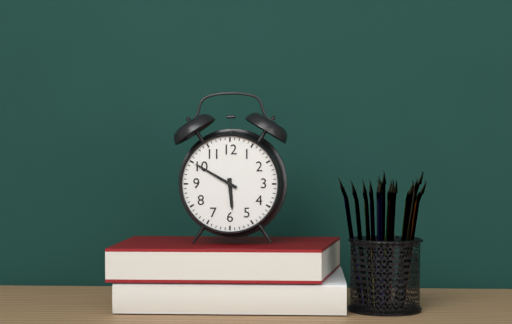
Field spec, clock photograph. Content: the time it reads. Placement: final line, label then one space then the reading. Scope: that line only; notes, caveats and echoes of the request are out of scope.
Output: 5:50
